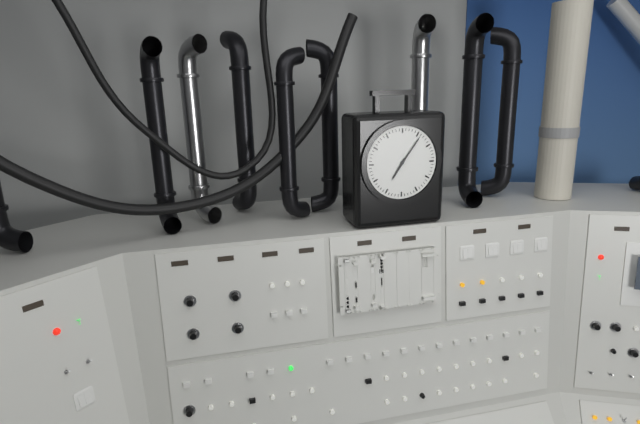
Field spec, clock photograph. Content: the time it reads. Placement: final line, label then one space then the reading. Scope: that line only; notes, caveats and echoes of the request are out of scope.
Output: 7:06
